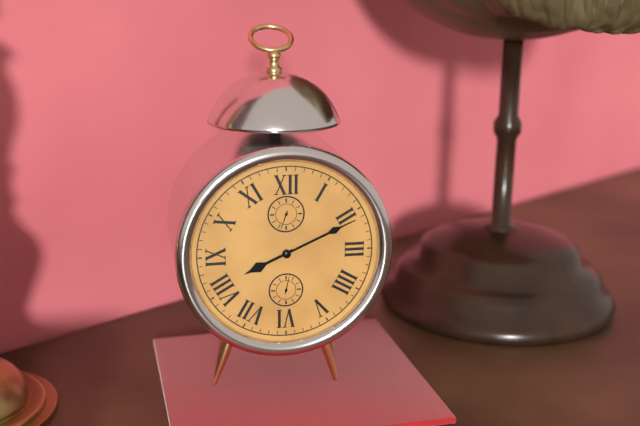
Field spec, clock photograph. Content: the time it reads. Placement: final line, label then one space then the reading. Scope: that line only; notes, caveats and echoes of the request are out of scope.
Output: 8:11
